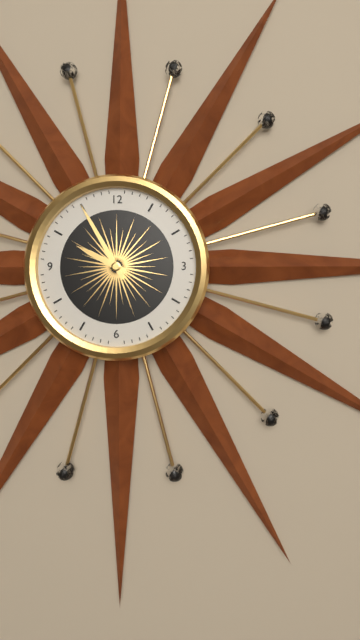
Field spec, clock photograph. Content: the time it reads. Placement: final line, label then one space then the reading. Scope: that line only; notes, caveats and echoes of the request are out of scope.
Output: 9:55
